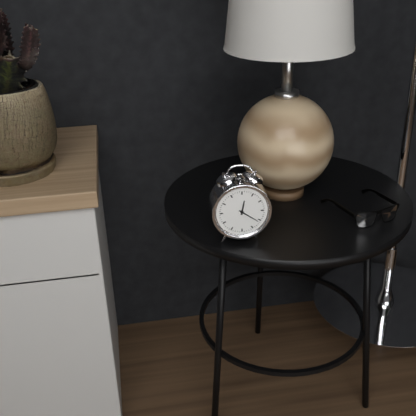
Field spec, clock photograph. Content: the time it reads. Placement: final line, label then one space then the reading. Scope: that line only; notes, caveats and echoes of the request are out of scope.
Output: 12:21
